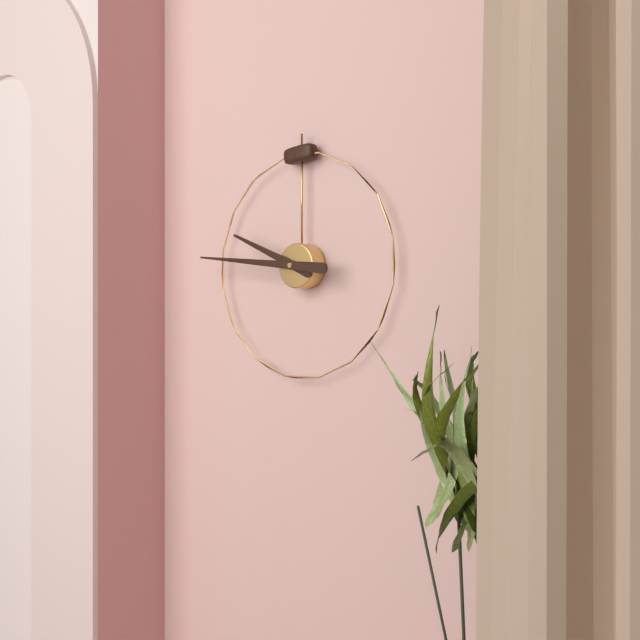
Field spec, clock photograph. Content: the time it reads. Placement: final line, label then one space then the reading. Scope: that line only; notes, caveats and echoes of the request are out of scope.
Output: 9:46
